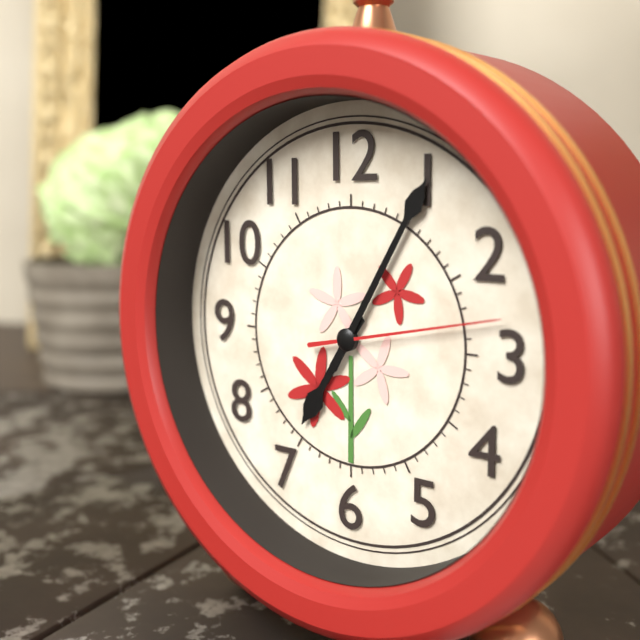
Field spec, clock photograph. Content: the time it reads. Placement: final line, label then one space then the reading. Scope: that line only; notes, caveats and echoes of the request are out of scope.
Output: 7:05:13
